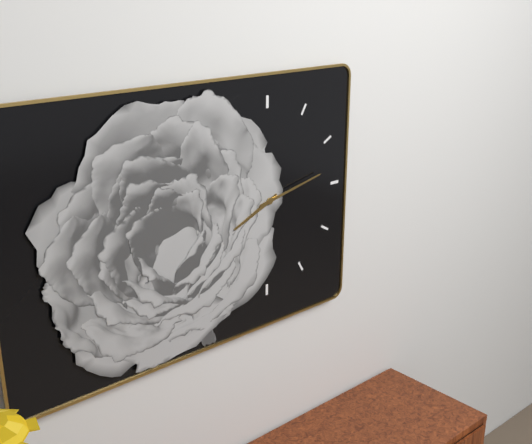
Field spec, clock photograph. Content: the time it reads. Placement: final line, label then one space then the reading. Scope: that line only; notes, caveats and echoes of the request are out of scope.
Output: 8:13
